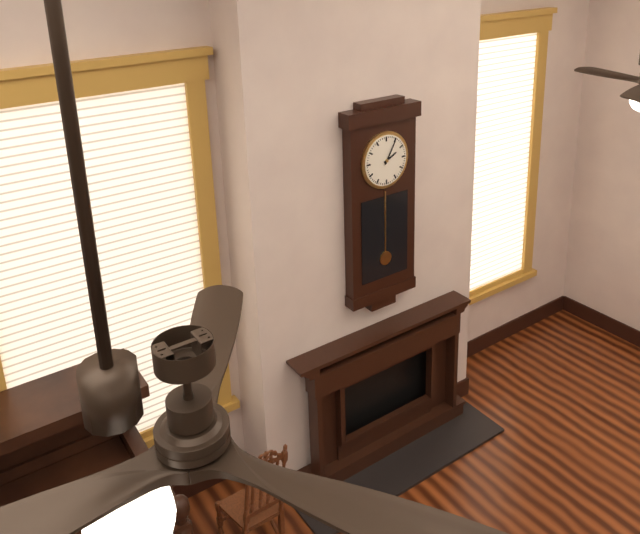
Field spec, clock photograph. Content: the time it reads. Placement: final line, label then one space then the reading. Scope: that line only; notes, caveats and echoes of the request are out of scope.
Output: 2:05
